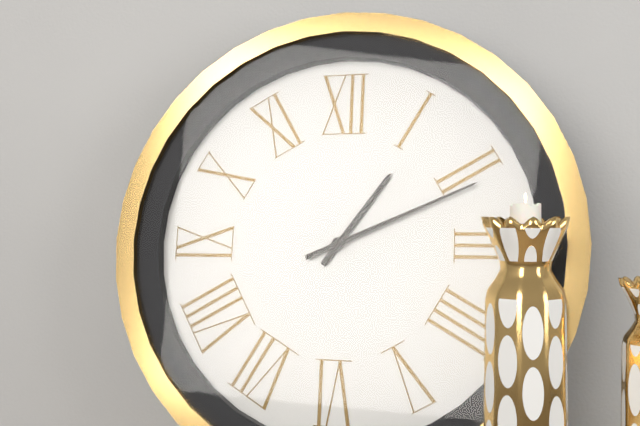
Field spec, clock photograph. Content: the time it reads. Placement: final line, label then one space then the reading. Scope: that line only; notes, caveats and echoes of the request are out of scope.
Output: 1:11
